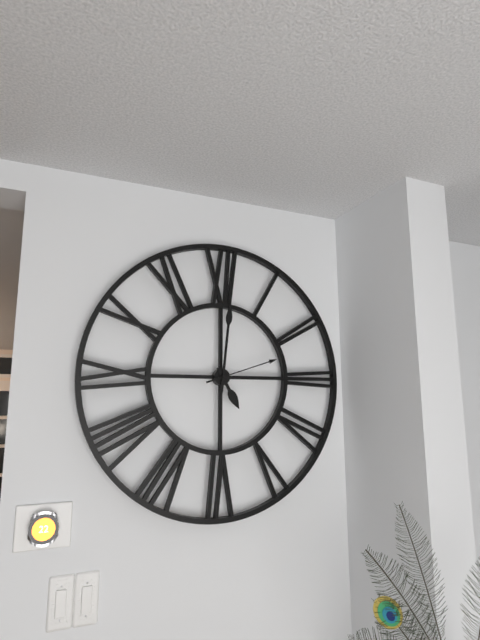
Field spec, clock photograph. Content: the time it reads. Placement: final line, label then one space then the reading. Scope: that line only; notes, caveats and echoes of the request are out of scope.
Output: 5:01:12
